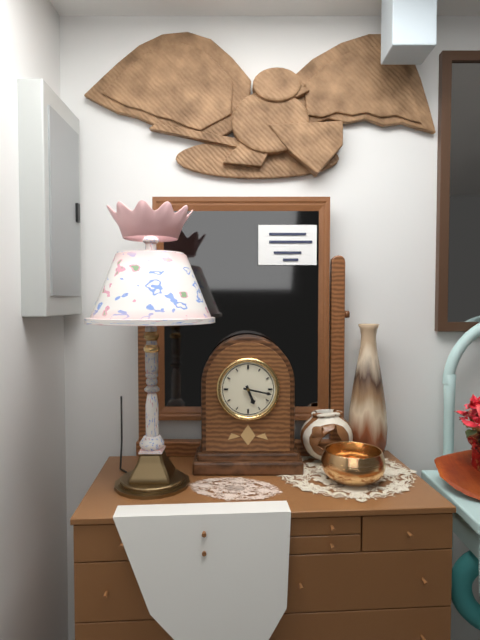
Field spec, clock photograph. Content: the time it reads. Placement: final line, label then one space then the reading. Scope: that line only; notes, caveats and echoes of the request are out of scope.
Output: 5:17
